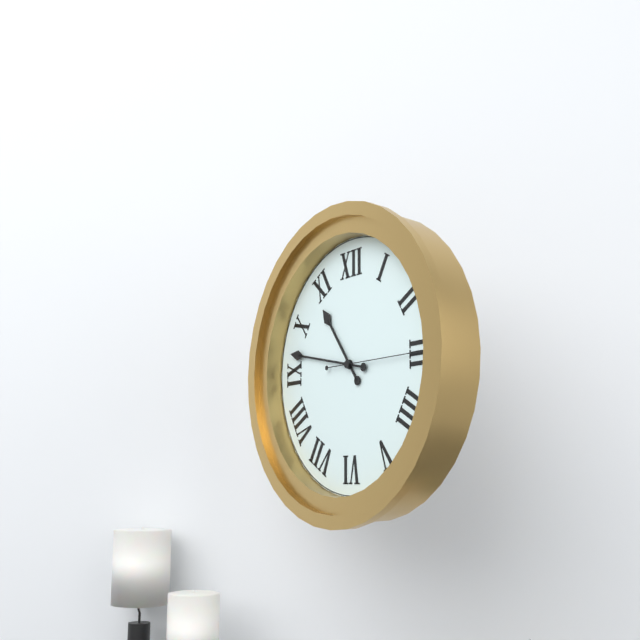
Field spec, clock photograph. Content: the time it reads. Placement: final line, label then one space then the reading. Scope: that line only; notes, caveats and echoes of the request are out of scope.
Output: 10:47:15
